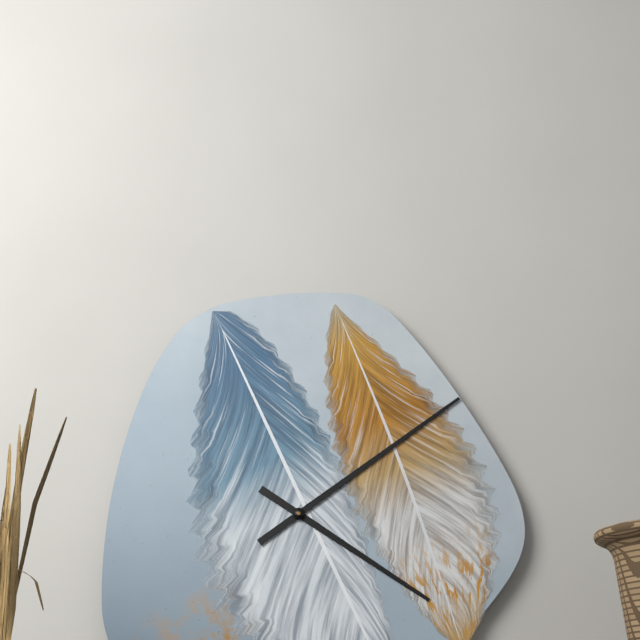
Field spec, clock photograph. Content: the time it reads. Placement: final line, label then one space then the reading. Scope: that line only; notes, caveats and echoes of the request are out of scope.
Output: 4:09
